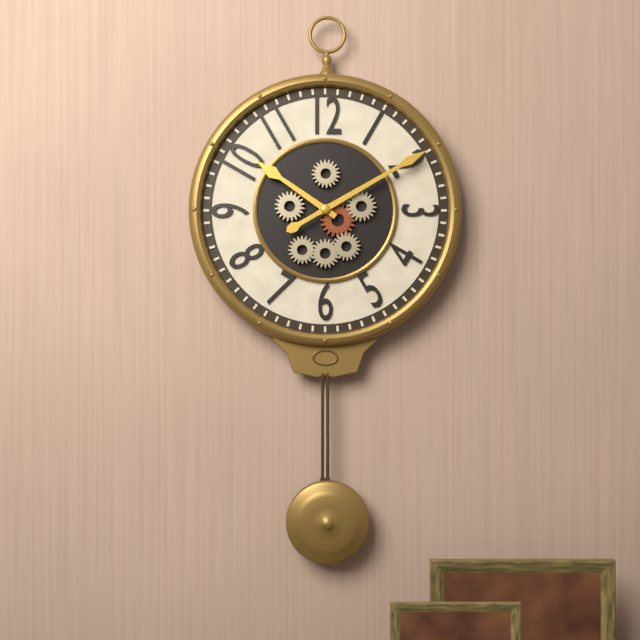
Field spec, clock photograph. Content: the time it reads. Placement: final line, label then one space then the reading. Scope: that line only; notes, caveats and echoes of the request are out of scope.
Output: 10:10
